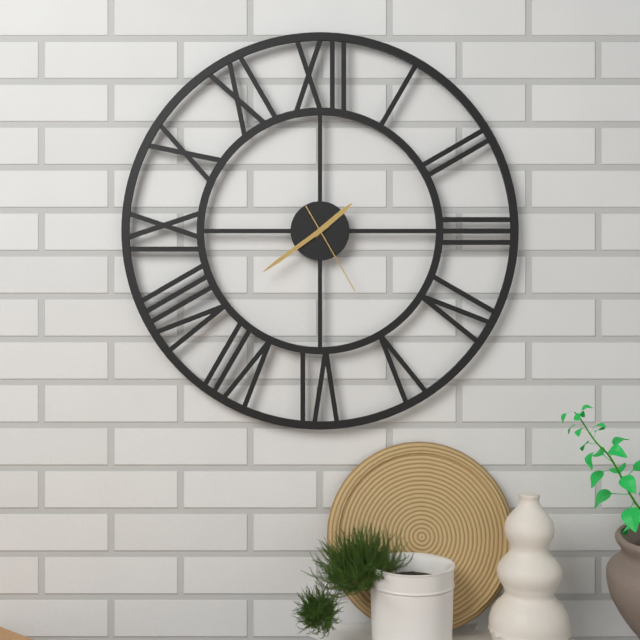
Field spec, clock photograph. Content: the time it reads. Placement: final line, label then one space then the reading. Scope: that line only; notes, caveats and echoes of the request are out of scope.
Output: 1:39:25
